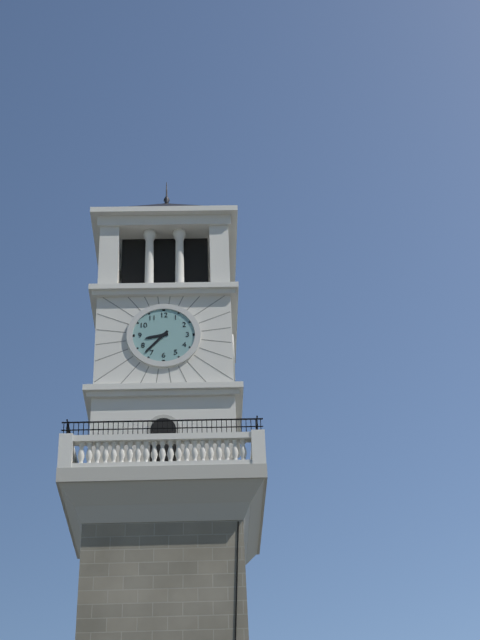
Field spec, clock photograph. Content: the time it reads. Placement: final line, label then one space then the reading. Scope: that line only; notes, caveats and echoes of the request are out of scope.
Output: 8:37
